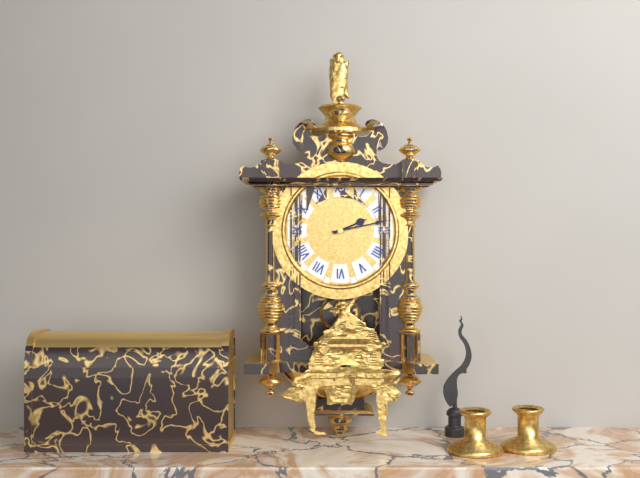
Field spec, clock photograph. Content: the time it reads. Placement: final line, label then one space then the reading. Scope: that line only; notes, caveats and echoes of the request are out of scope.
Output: 2:13
